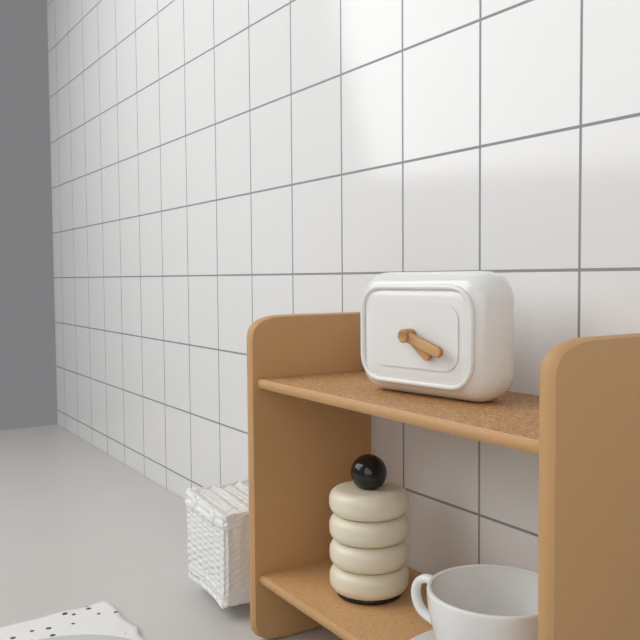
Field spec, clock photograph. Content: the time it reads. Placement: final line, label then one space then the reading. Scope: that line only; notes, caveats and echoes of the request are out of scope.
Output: 4:18
